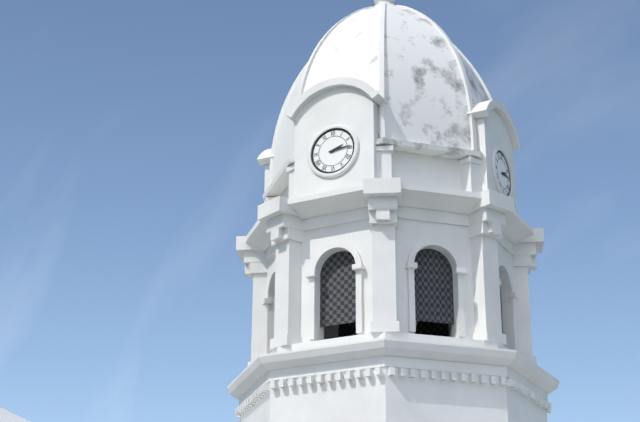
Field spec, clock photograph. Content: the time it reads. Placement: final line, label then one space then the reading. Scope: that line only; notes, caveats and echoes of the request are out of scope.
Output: 2:14
